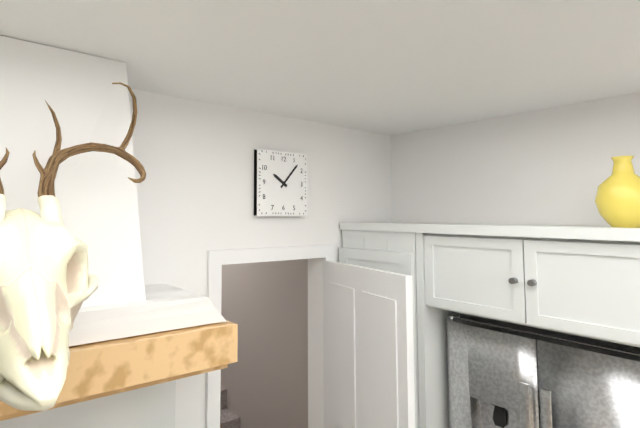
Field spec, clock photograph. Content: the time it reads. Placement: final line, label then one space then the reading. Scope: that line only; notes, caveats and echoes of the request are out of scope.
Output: 10:07
